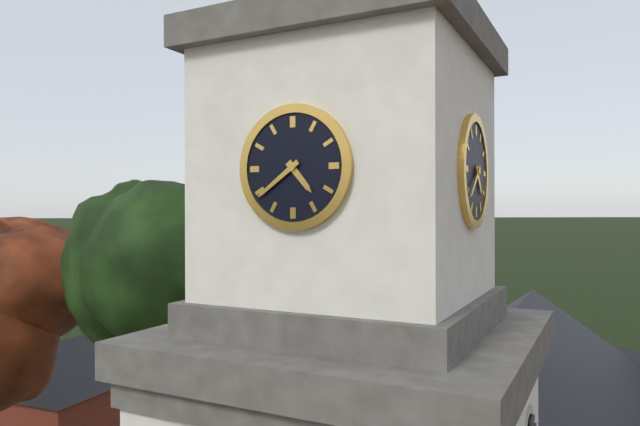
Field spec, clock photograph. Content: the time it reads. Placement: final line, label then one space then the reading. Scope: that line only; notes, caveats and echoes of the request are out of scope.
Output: 4:39
